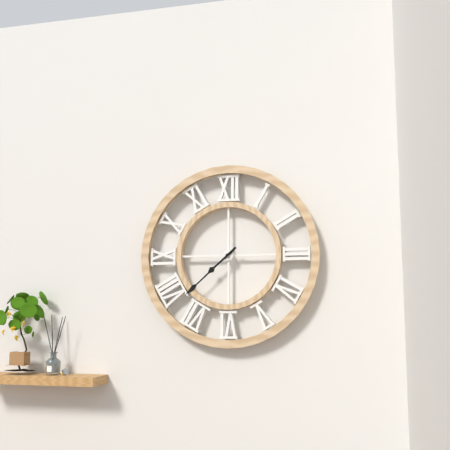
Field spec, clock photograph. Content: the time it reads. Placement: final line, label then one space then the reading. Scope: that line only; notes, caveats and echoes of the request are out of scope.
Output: 7:38
